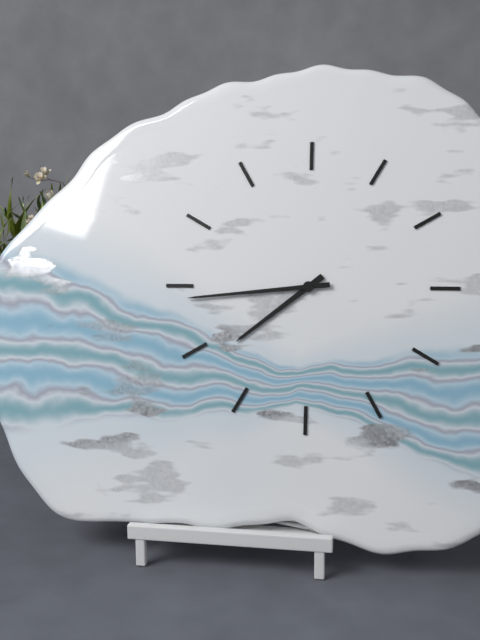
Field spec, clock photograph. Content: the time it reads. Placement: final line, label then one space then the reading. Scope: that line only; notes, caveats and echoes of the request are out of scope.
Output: 7:44
